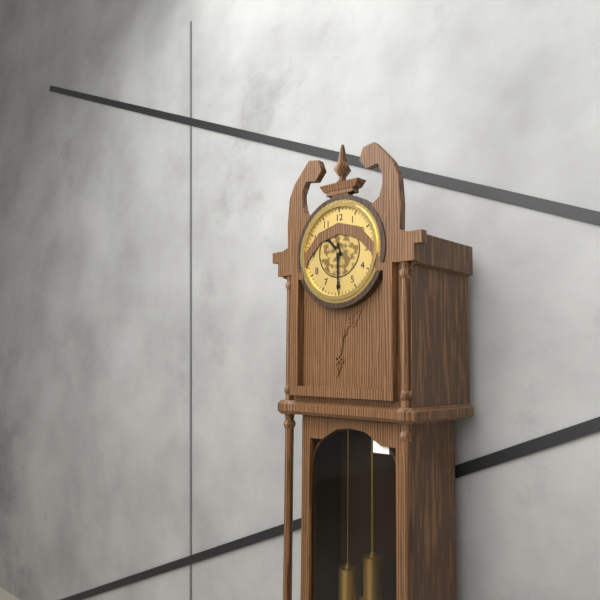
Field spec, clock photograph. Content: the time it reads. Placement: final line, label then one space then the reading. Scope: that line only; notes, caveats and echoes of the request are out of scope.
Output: 10:30
